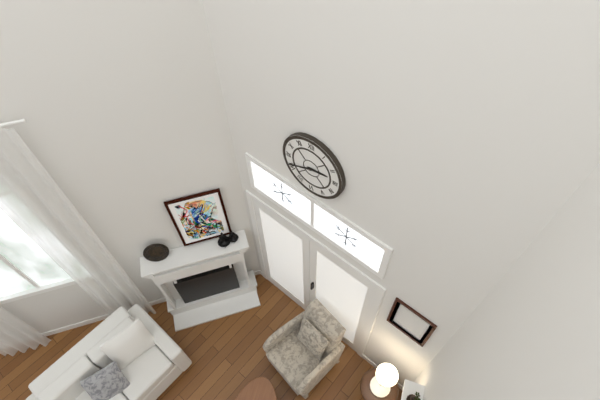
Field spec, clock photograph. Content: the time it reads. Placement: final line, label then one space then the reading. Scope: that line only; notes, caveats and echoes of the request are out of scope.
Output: 2:41
